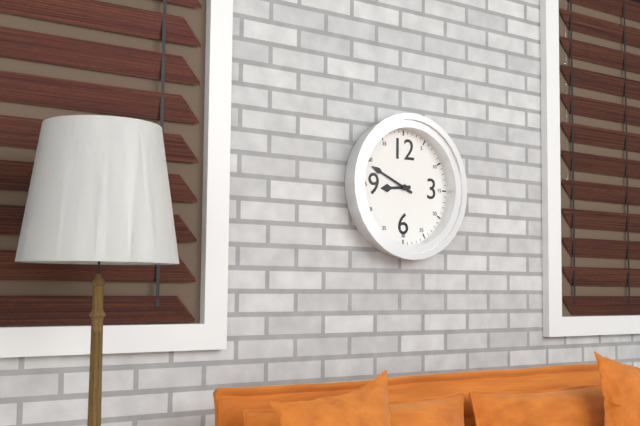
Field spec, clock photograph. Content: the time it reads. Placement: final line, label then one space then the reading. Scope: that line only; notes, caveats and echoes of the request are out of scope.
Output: 8:49
